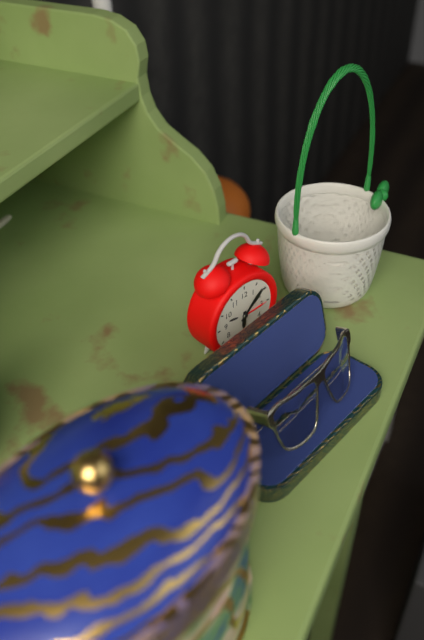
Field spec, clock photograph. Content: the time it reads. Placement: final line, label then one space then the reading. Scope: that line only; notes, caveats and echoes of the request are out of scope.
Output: 6:08
